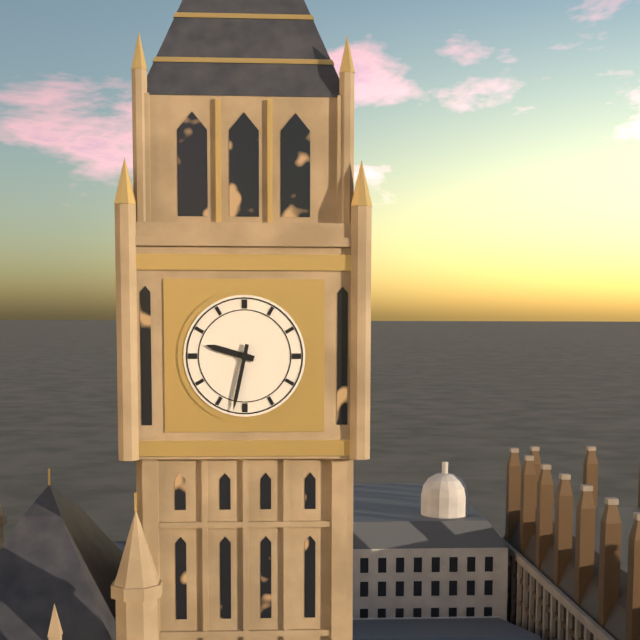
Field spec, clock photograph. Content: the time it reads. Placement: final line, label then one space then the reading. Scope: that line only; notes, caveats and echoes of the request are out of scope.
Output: 9:32
